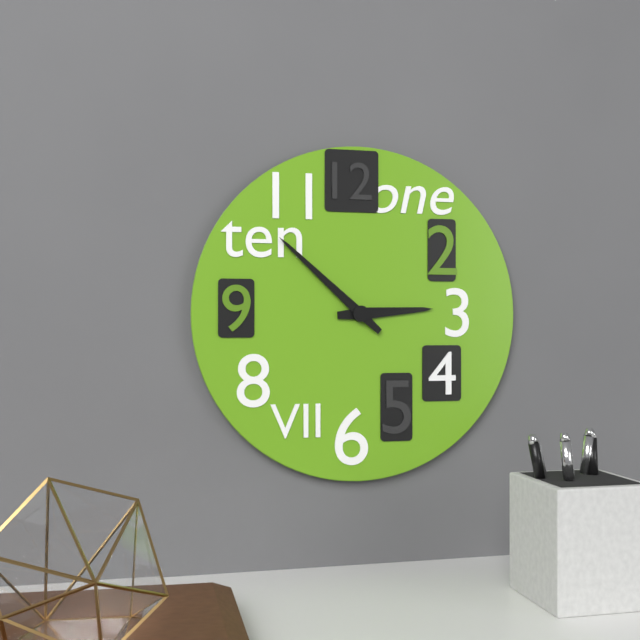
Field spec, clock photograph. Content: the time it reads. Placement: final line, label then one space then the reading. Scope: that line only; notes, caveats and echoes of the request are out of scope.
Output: 2:52
